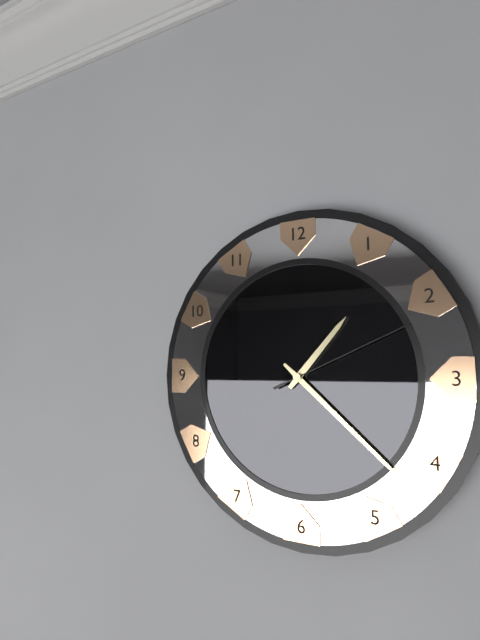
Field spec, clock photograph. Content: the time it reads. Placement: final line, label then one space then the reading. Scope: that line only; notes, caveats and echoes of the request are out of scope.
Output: 1:22:11
